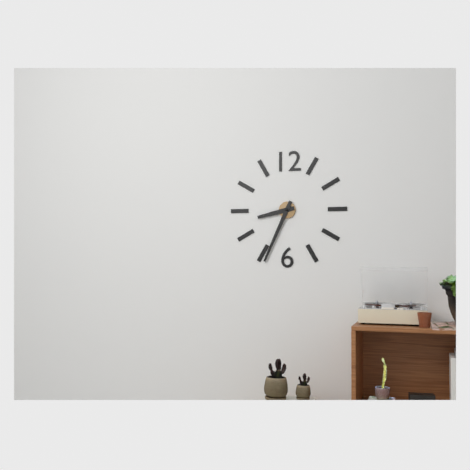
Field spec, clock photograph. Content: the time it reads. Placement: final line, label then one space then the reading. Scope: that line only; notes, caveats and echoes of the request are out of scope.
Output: 8:34
